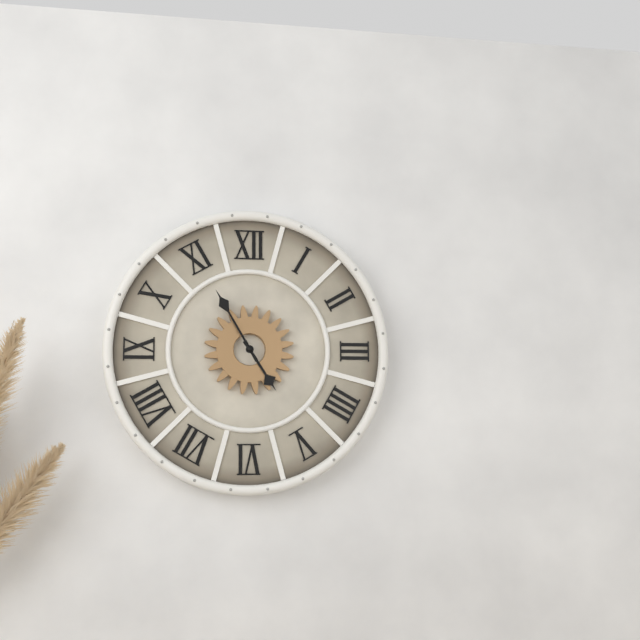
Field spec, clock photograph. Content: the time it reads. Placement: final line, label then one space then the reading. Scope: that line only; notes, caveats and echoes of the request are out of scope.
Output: 4:55
